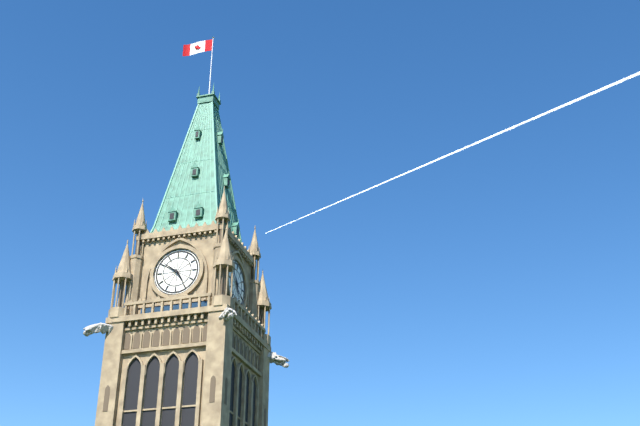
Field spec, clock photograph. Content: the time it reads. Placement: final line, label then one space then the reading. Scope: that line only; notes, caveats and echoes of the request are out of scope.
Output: 4:51
